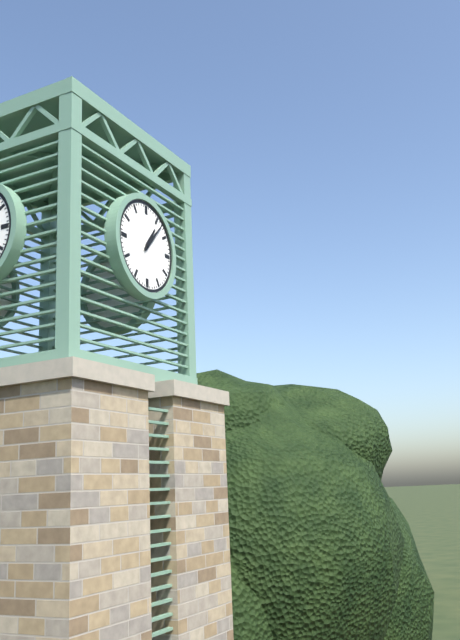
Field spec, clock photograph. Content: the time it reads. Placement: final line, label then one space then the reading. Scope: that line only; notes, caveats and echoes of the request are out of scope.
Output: 1:07
